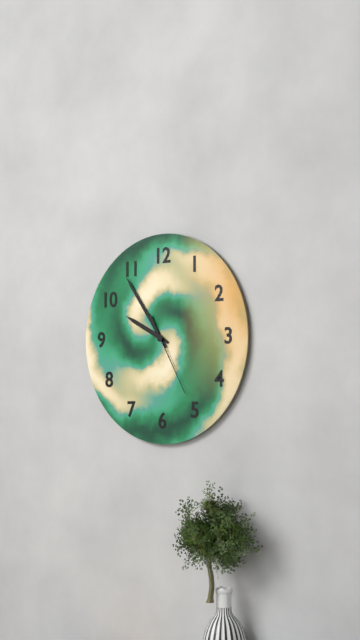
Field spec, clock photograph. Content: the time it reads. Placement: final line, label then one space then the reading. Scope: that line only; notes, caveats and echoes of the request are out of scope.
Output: 9:54:25
